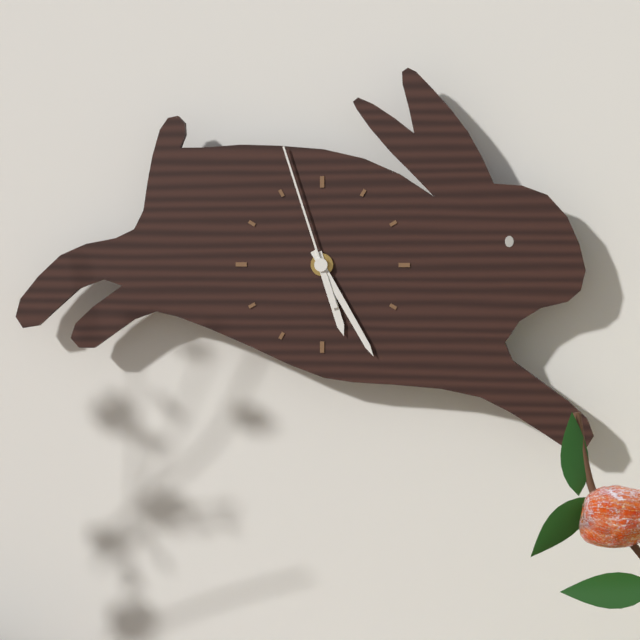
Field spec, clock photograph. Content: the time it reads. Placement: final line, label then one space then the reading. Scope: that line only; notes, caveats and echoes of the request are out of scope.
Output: 5:25:57
